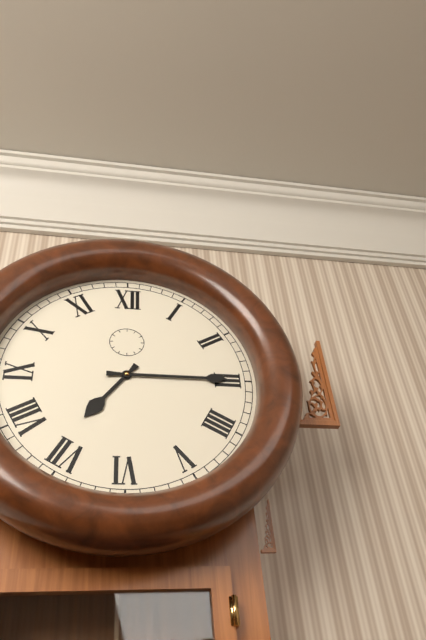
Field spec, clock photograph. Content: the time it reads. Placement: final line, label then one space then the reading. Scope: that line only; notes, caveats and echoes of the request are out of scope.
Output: 7:15
